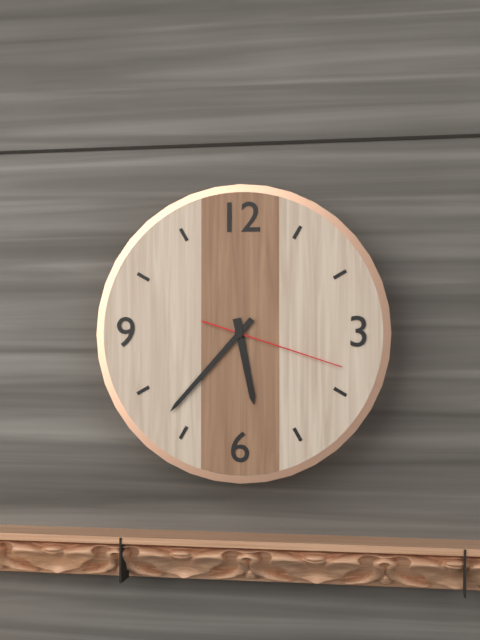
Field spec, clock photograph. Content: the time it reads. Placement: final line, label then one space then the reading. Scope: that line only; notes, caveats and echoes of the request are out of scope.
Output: 5:37:18
